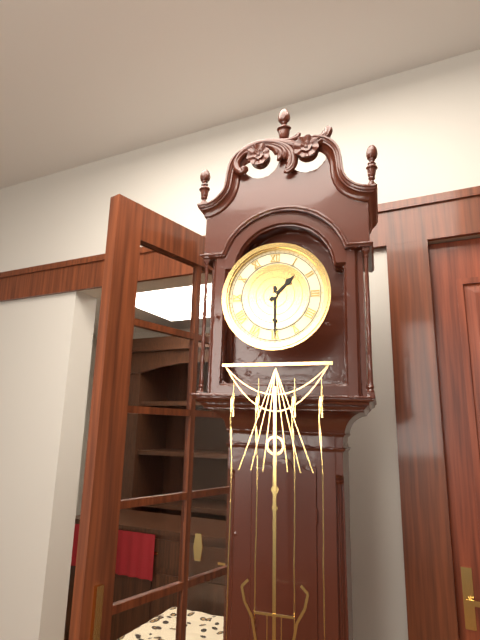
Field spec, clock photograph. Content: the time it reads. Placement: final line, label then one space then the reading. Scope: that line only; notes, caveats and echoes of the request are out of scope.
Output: 1:30
